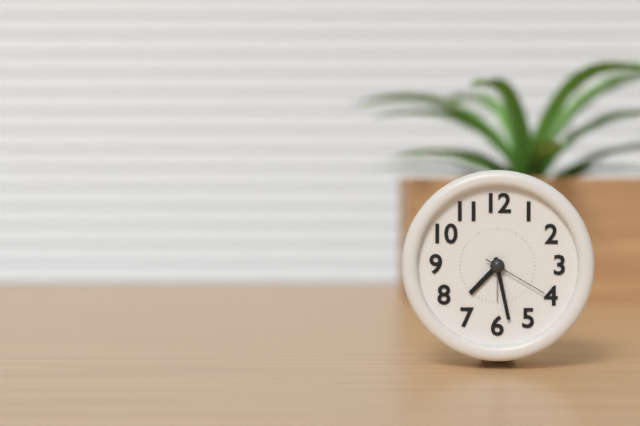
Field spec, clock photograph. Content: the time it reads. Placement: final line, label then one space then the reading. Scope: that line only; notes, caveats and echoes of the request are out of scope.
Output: 7:28:20
